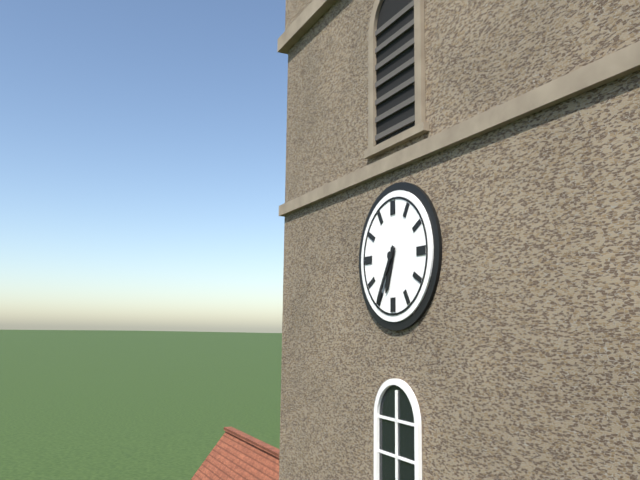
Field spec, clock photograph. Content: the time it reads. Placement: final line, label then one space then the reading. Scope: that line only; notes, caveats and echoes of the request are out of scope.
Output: 6:35
